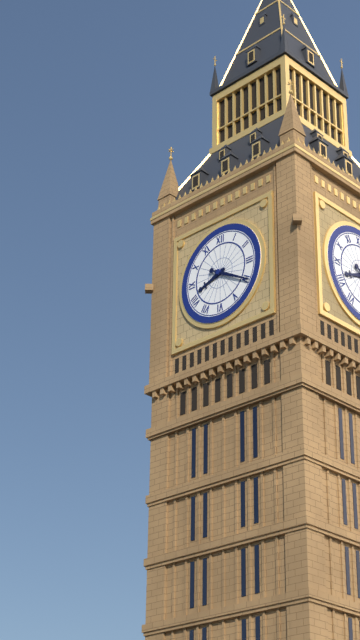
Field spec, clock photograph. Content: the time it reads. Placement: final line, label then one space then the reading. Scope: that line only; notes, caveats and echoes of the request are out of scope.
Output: 8:20
